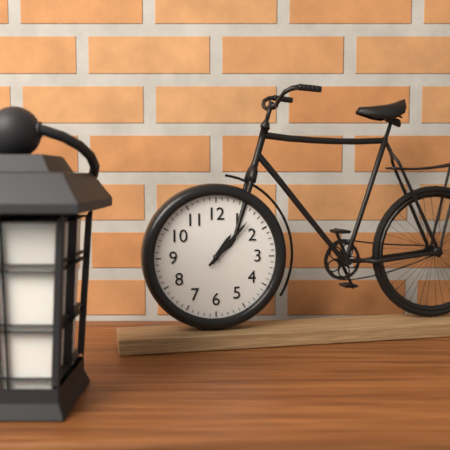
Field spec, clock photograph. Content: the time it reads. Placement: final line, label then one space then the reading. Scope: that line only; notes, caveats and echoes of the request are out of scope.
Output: 1:07
